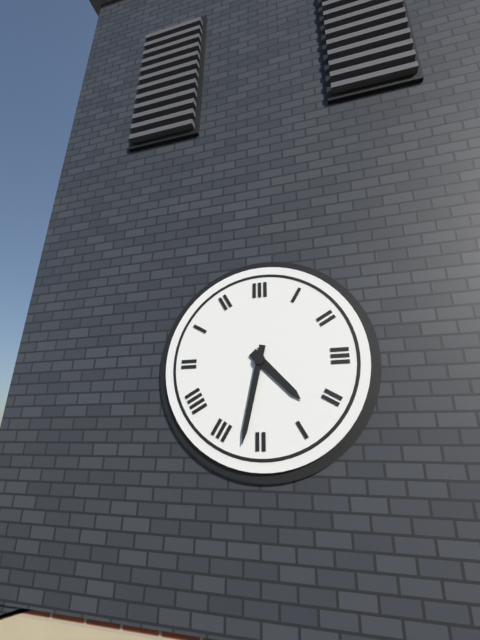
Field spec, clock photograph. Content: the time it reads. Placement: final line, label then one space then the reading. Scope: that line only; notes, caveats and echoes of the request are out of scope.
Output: 4:32
